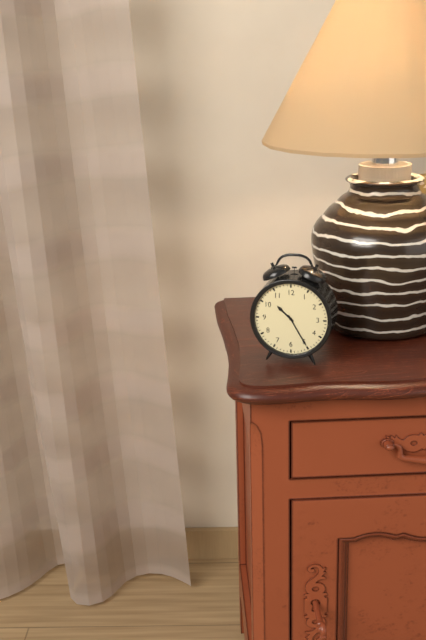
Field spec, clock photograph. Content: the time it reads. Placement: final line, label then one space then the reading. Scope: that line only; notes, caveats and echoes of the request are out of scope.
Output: 10:25
